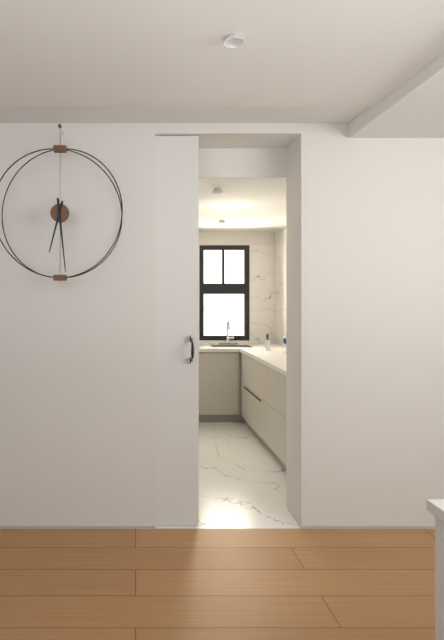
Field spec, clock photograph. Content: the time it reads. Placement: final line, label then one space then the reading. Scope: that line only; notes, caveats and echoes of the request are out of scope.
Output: 6:29
